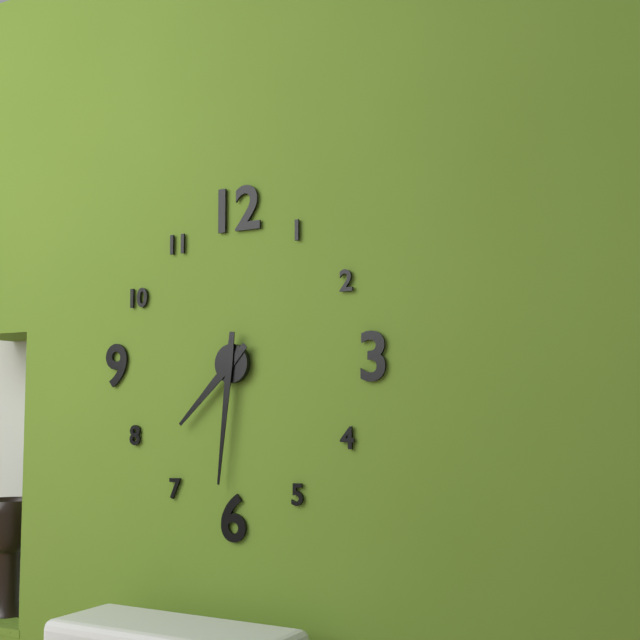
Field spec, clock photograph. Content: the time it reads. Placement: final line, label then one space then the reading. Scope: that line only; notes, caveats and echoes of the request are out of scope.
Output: 7:31
